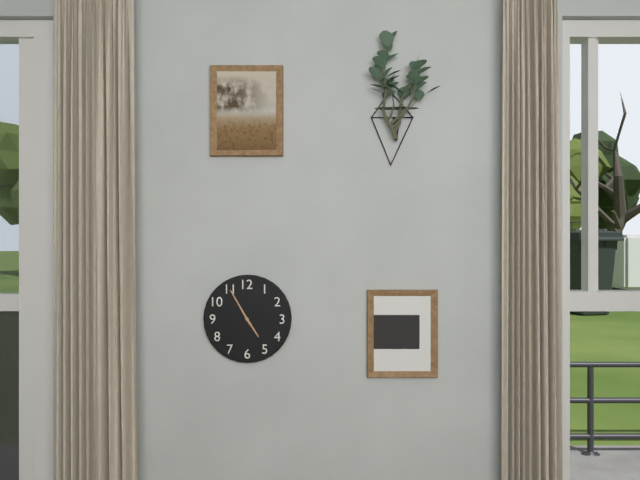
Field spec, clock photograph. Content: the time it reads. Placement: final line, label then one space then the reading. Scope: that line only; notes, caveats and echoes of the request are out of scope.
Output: 4:55
